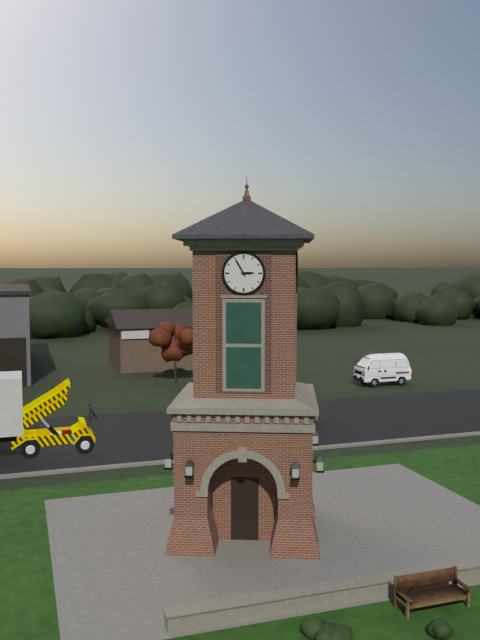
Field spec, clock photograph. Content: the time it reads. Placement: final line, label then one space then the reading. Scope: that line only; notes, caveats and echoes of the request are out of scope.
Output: 2:55
